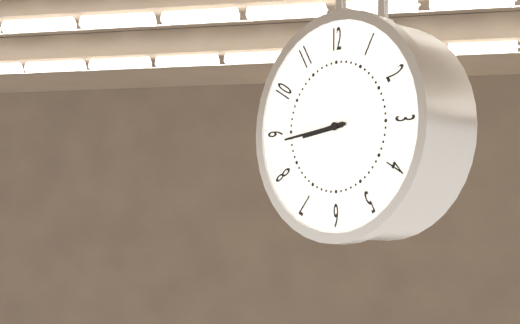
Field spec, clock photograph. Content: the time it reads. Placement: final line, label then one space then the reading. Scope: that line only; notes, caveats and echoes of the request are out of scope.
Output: 8:44
